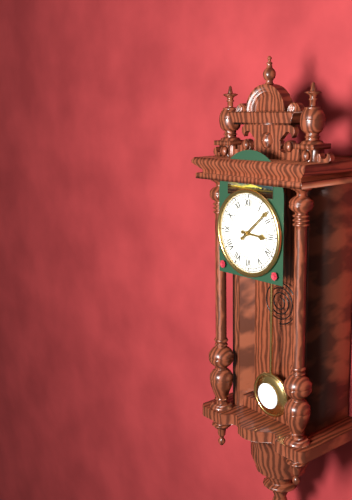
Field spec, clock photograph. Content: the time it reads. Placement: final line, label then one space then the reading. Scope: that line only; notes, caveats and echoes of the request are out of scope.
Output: 3:08
